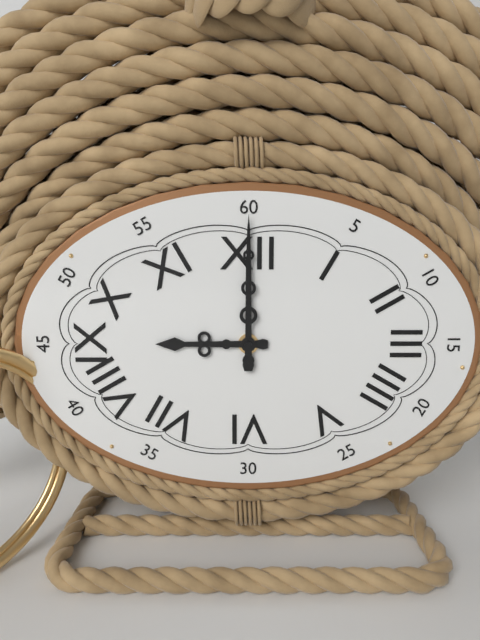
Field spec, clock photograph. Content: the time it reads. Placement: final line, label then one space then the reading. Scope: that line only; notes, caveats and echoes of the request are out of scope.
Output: 9:00
